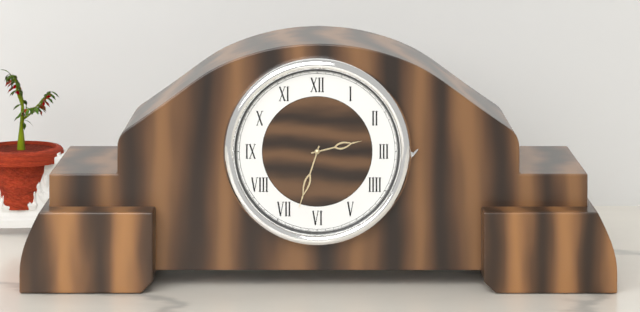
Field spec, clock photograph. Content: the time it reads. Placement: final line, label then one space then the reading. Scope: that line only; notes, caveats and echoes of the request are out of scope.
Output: 2:33
